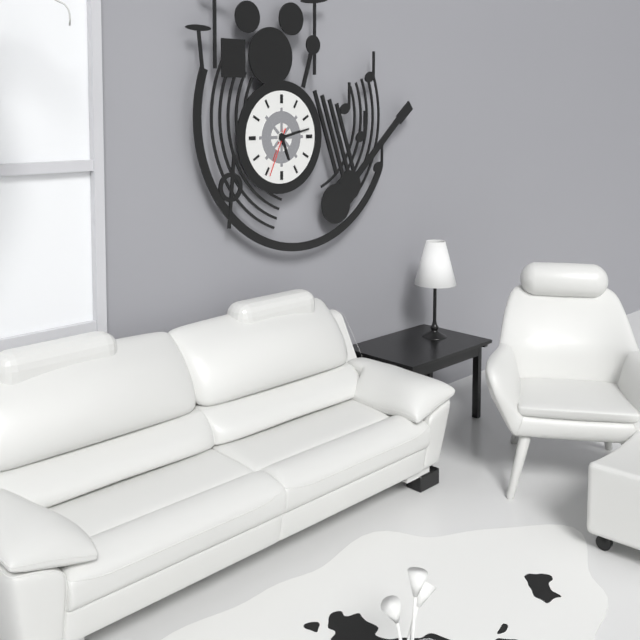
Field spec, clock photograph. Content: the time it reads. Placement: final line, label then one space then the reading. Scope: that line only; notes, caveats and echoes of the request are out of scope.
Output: 5:13
